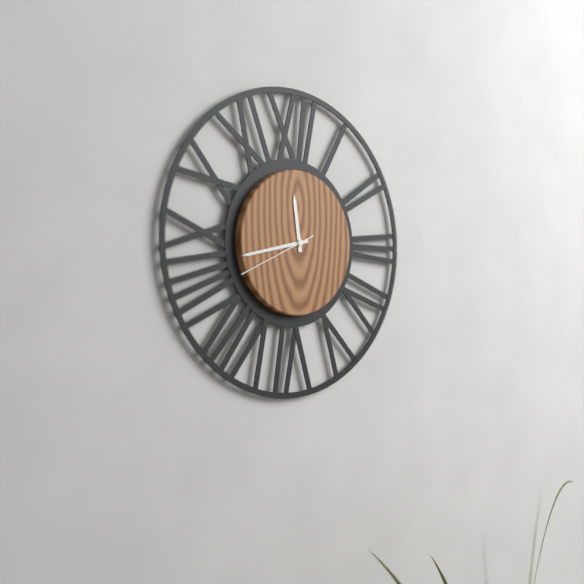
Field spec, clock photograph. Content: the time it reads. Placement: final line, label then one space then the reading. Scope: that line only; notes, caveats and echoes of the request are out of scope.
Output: 11:43:41
